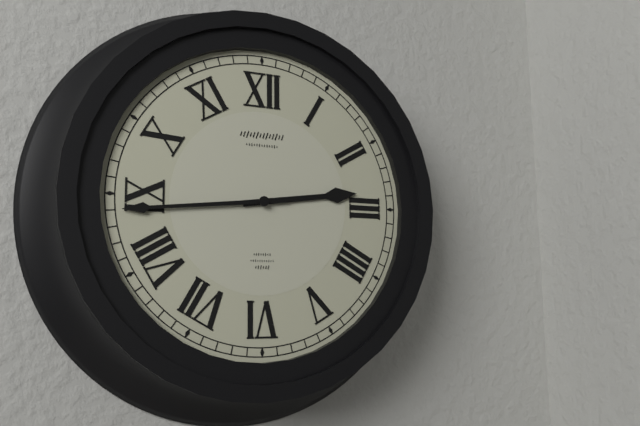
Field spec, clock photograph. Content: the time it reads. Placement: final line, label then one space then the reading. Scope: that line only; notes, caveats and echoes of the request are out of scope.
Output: 2:44
